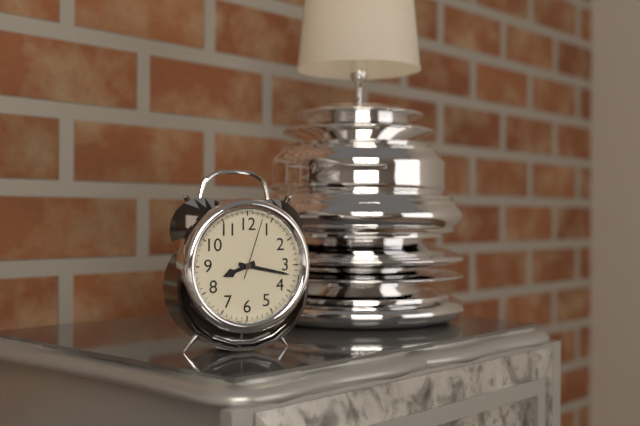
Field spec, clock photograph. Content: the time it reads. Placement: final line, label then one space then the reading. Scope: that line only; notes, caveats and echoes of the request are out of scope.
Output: 8:17:03
